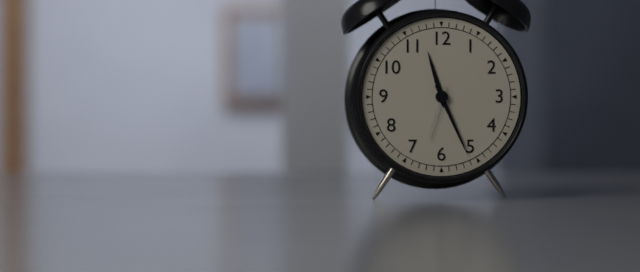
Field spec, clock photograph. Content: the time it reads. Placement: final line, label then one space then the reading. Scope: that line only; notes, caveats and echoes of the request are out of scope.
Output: 11:26:33
